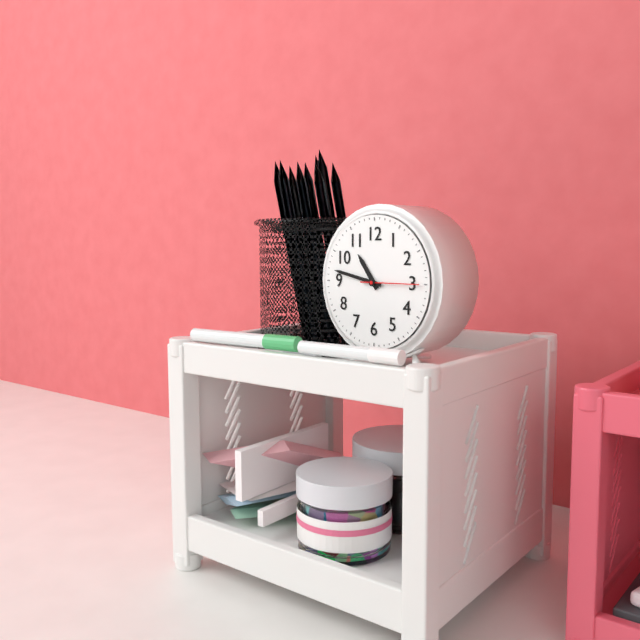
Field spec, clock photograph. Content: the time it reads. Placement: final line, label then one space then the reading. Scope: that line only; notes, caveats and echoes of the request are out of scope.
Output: 10:47:15
